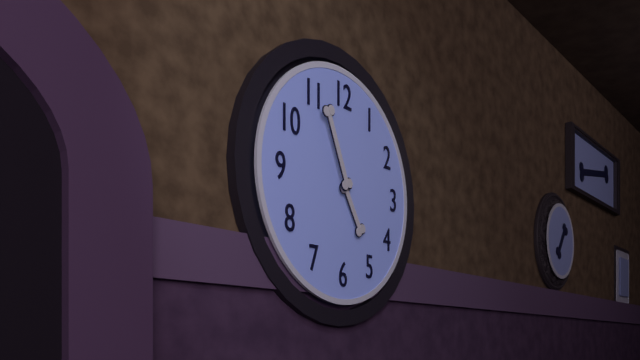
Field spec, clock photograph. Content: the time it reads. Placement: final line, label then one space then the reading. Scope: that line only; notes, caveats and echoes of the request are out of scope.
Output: 4:56
